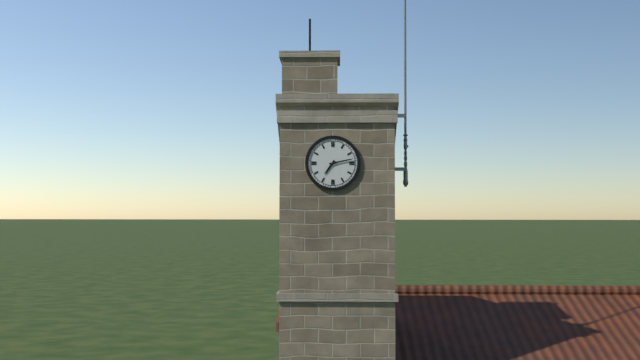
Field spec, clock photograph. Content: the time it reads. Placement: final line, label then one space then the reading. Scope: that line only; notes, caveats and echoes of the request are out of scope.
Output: 7:13
